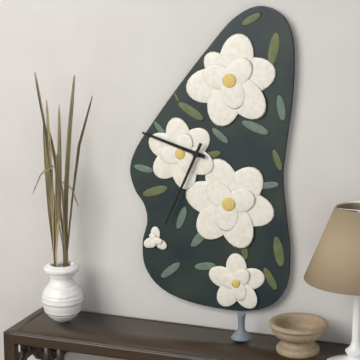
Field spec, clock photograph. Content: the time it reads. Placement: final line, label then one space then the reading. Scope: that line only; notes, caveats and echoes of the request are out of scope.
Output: 9:34
